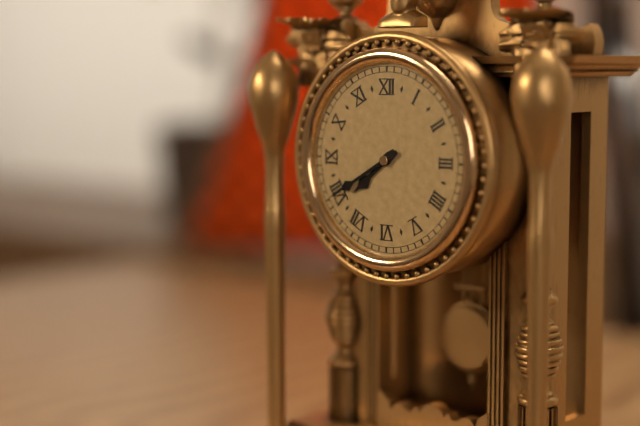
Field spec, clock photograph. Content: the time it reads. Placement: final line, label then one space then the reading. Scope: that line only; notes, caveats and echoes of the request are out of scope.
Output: 7:40
